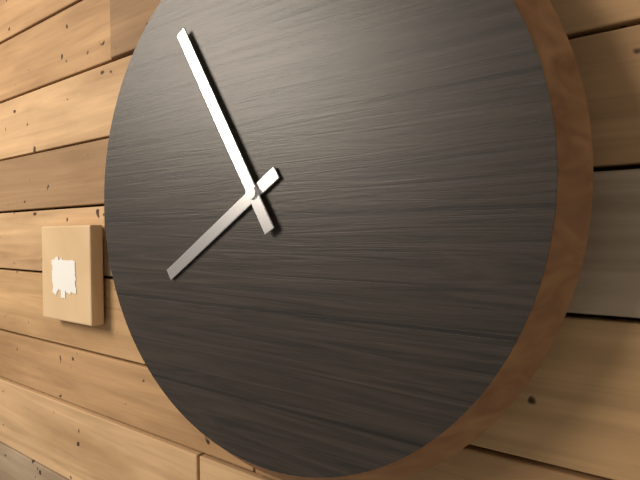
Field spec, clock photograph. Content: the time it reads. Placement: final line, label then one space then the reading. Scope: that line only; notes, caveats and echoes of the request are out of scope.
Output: 7:55
